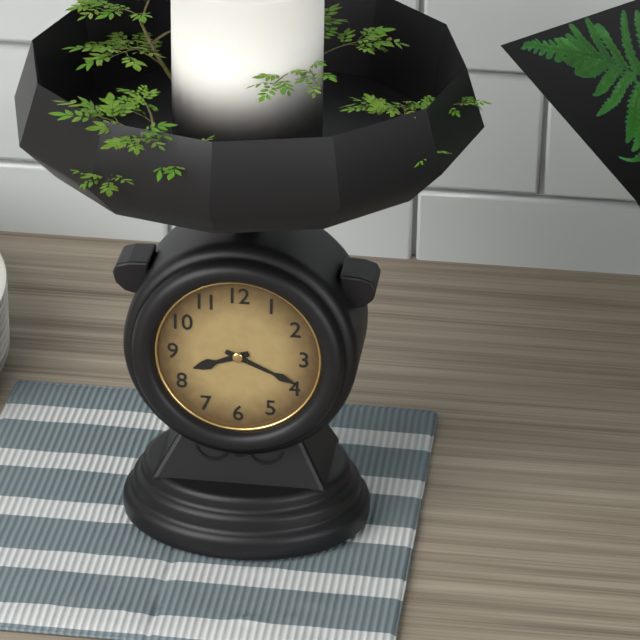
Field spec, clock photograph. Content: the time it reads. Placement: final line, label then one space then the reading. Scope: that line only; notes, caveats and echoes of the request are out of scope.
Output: 8:19
